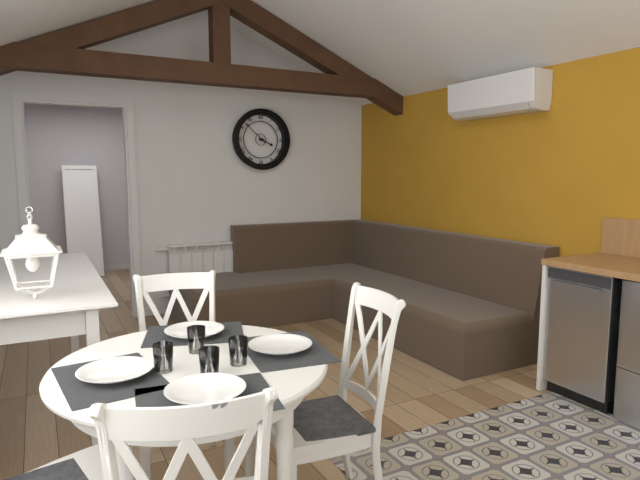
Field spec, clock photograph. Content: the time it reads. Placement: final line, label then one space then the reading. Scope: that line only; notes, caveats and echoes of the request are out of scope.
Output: 3:52
